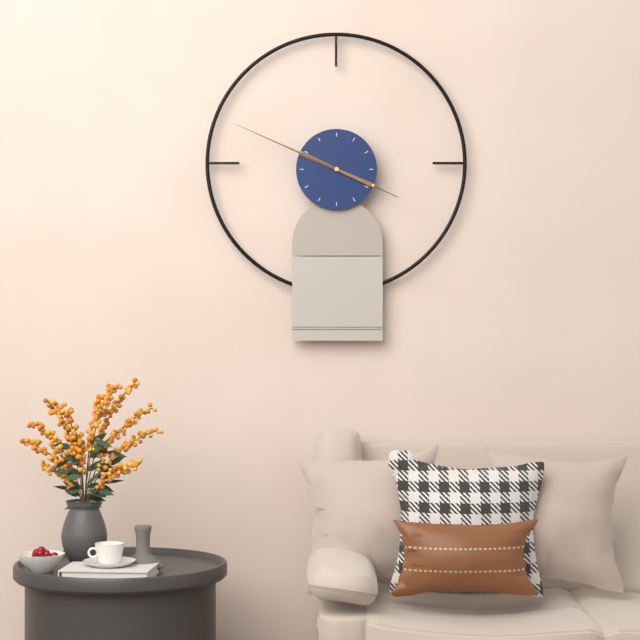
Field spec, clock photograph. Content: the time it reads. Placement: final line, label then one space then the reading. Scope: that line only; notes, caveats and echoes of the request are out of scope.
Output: 3:49
